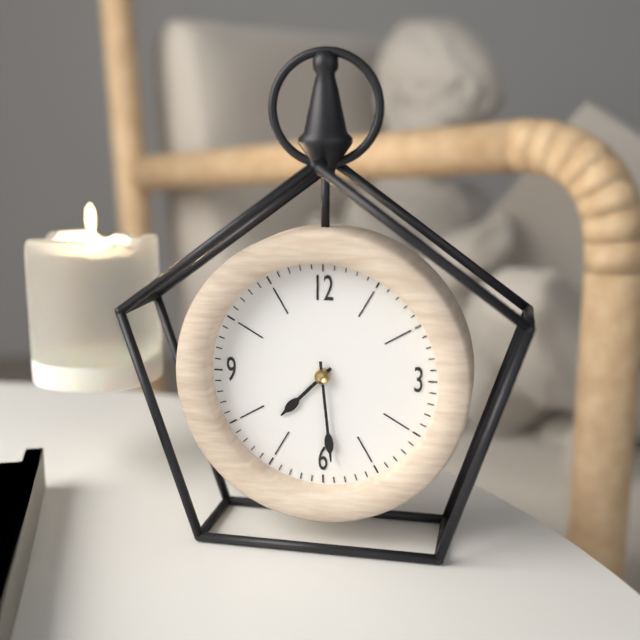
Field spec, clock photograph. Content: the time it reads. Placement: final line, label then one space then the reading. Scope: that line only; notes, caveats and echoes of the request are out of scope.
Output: 7:29
